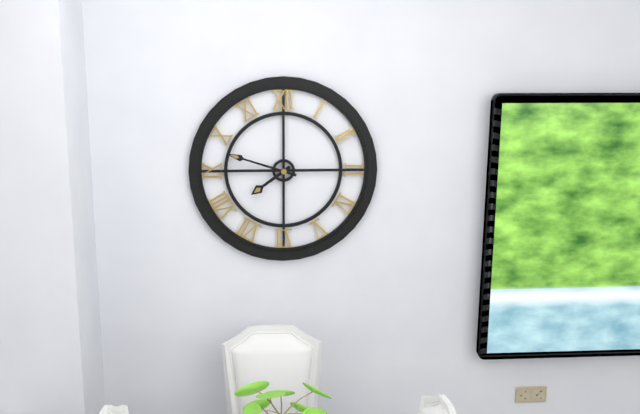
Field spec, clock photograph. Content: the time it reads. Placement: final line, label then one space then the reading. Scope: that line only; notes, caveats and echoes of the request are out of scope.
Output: 7:48
